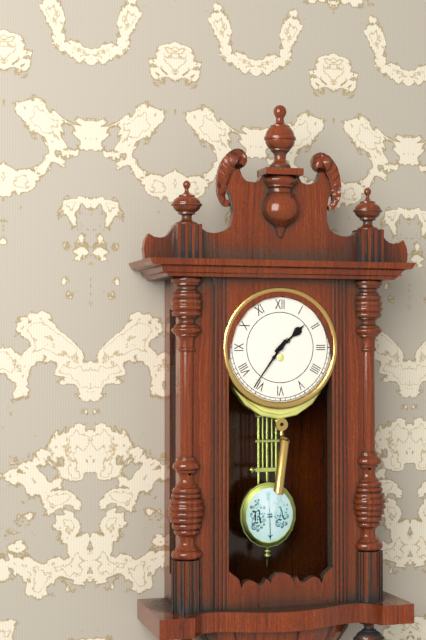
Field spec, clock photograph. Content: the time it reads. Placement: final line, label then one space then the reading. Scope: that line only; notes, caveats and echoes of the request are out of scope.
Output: 1:36
